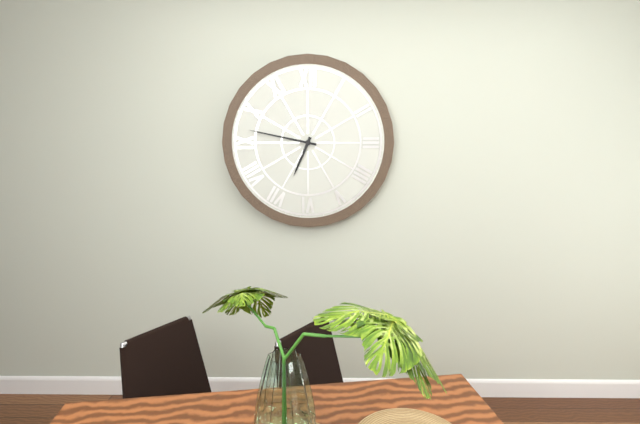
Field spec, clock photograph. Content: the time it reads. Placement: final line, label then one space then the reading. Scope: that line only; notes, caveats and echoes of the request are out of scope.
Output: 6:47
